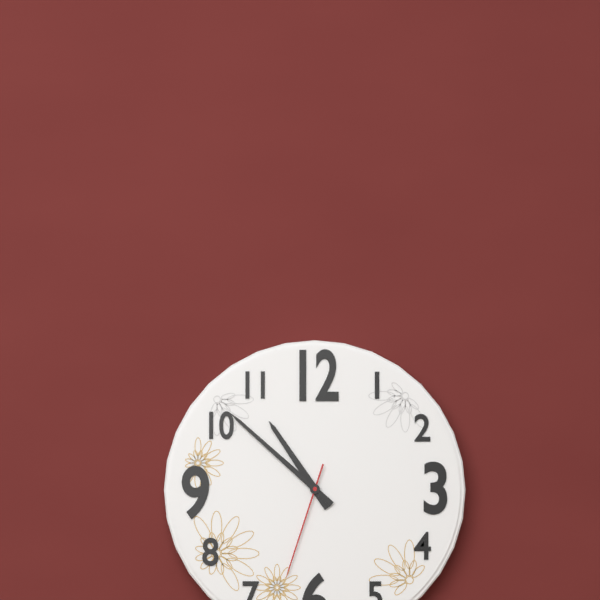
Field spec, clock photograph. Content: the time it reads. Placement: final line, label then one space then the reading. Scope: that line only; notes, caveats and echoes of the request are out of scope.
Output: 10:52:33
